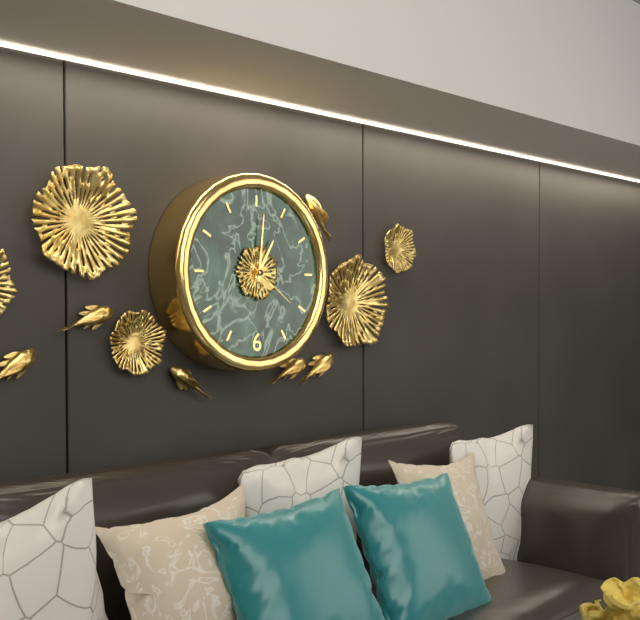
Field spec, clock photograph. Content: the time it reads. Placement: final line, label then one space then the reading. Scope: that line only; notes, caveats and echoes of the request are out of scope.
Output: 1:01:21
